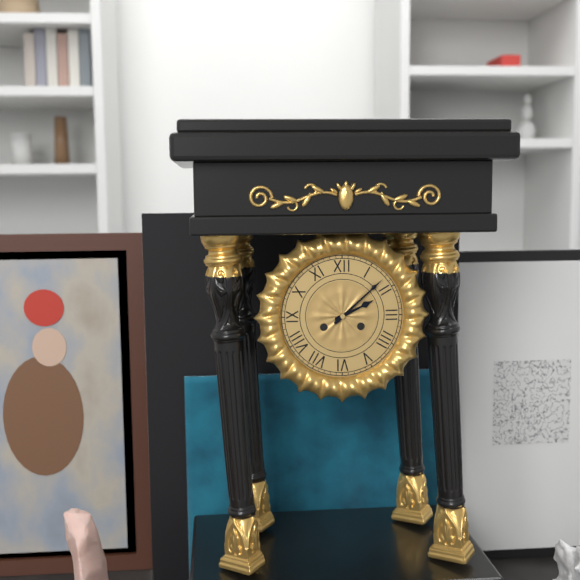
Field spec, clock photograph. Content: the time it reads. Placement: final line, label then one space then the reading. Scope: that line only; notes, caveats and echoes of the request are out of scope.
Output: 2:08
